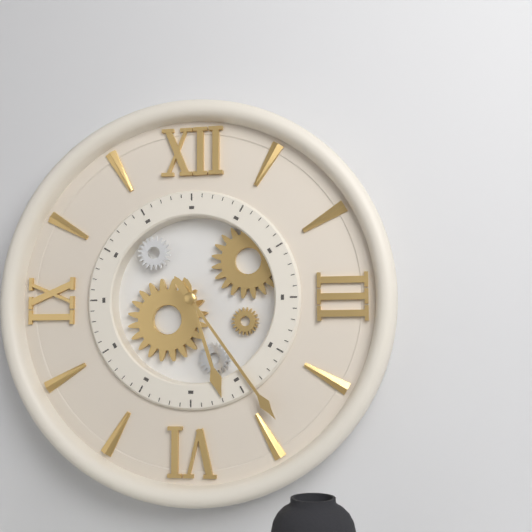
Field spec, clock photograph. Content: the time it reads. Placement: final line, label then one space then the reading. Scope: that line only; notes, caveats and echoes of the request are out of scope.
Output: 5:24
